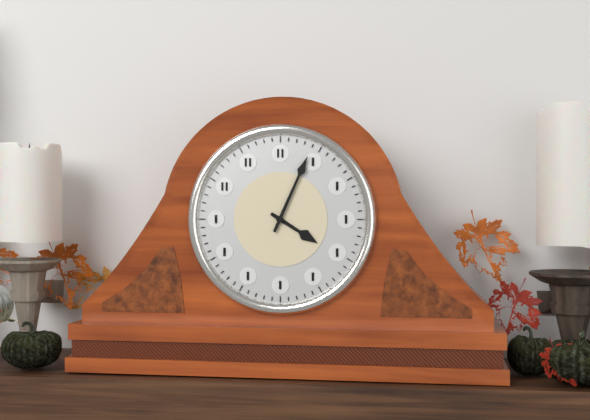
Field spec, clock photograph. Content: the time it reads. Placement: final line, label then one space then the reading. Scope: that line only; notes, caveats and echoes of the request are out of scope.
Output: 4:04
